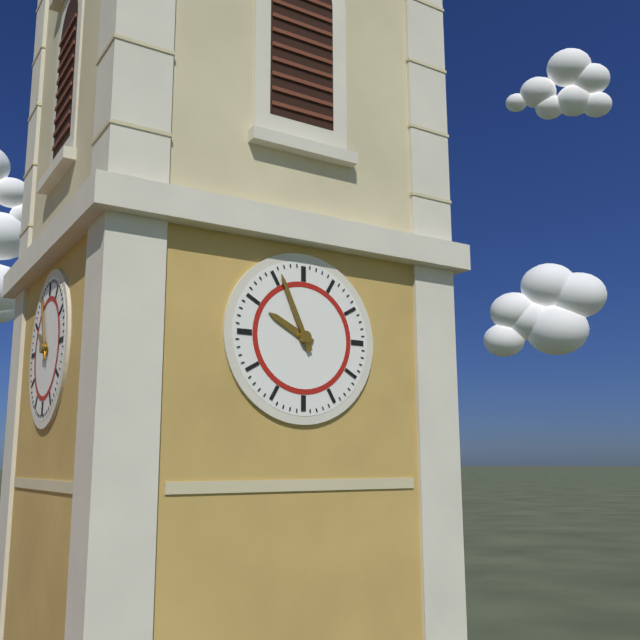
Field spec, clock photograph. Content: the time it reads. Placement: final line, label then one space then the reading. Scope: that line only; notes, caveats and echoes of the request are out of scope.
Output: 9:56
